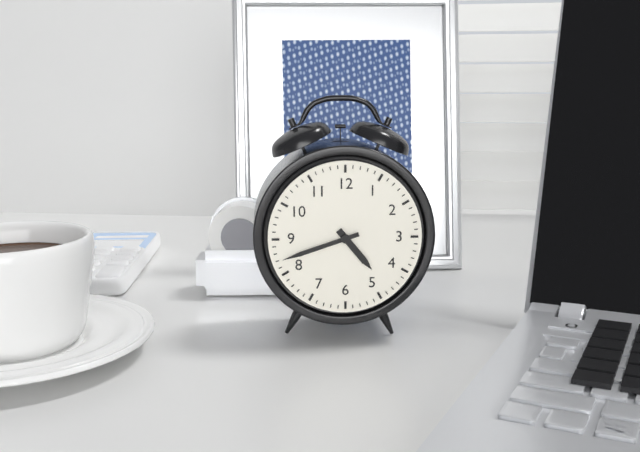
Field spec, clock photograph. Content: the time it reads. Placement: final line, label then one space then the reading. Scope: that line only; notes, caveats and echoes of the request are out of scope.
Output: 4:42
